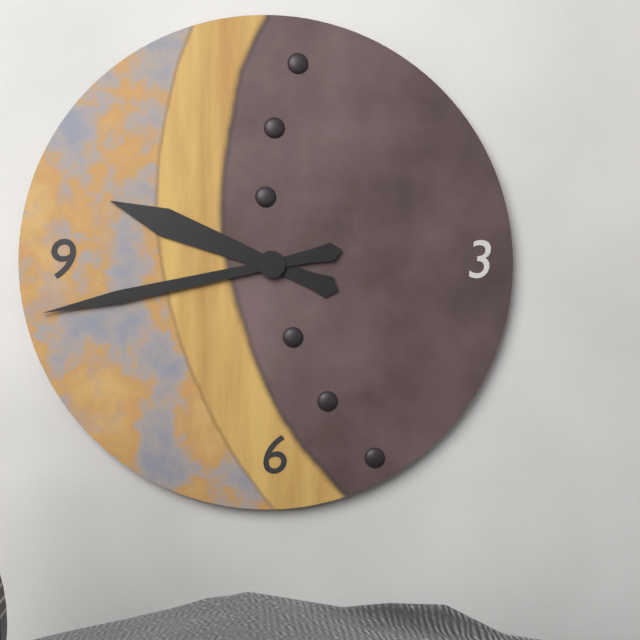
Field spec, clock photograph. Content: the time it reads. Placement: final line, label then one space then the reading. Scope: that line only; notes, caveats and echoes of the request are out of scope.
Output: 9:43
